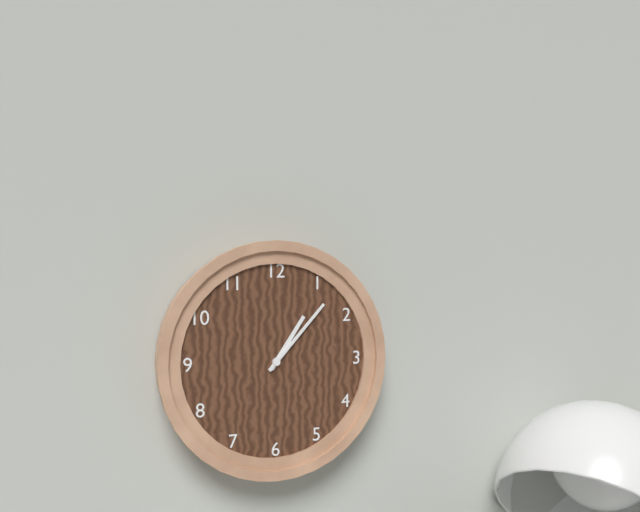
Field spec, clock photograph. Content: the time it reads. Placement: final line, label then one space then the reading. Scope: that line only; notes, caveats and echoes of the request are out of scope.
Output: 1:07
